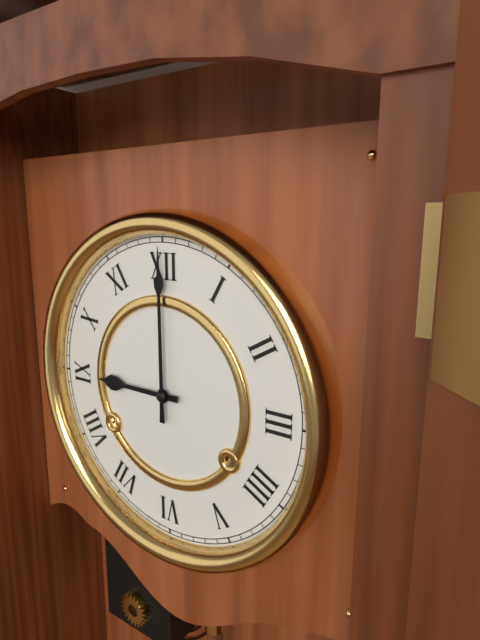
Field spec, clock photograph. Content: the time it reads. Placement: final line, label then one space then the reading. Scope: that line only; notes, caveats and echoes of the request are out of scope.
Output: 9:00
